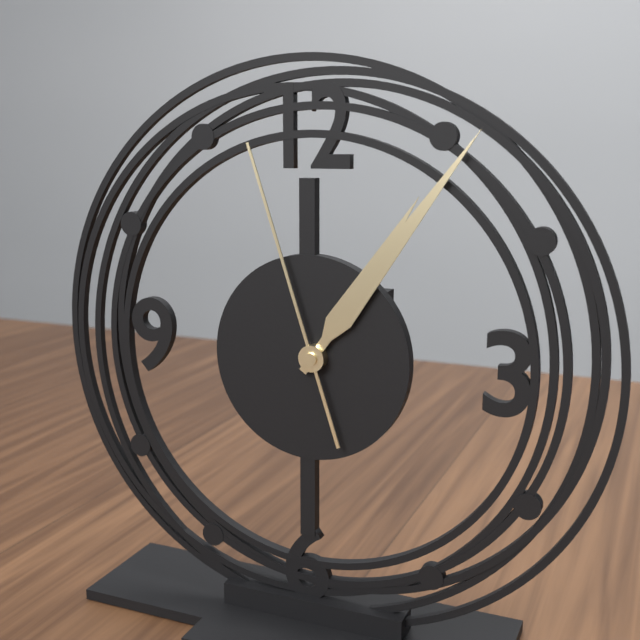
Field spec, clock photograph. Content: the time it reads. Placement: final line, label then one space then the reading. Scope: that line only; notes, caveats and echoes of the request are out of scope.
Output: 1:06:57
